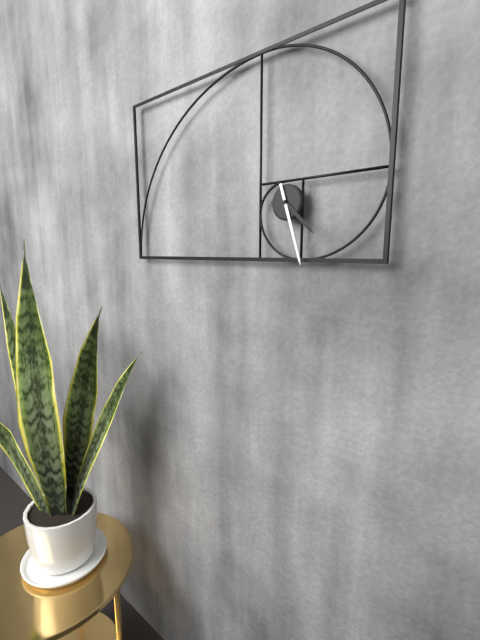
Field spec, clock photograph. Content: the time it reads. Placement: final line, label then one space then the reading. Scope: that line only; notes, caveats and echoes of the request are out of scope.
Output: 4:27
